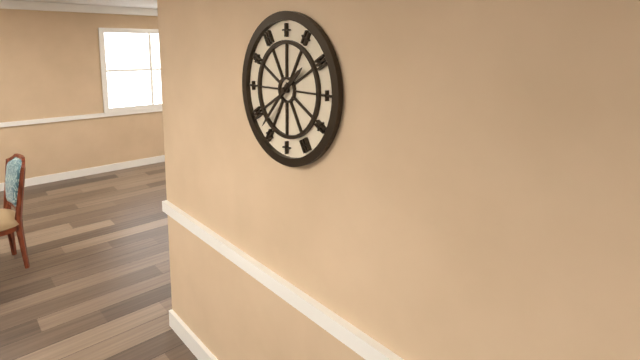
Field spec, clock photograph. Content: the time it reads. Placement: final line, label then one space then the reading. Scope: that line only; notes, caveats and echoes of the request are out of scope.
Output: 1:37
